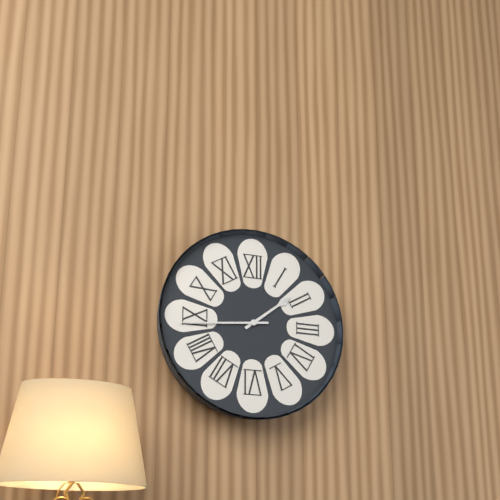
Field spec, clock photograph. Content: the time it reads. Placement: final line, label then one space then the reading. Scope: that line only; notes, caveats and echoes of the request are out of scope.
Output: 1:44
